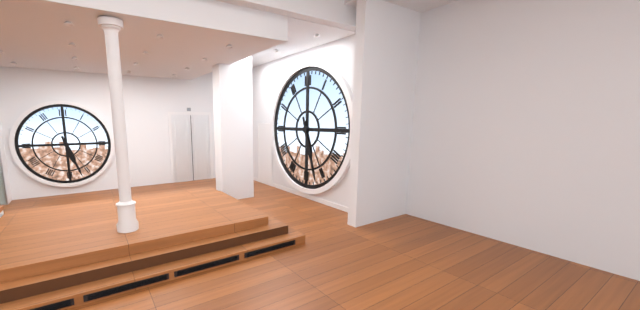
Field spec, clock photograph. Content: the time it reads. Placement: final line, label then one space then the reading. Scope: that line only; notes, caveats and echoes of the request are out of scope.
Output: 5:27
